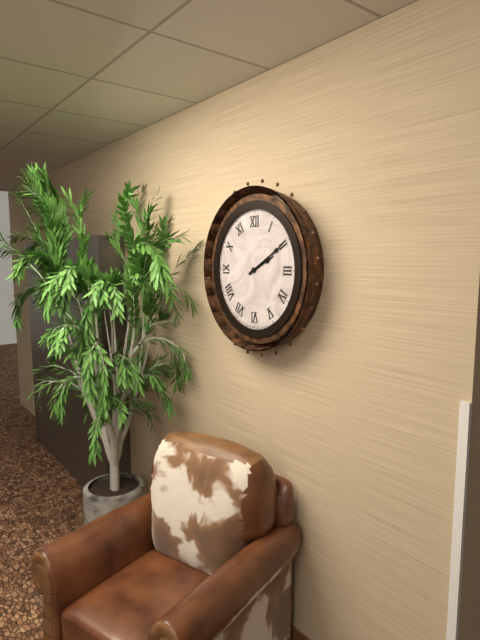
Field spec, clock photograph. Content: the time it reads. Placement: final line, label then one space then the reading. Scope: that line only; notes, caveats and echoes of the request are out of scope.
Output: 2:10
